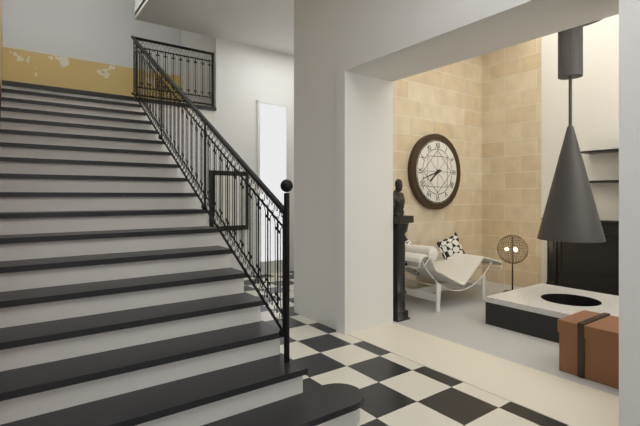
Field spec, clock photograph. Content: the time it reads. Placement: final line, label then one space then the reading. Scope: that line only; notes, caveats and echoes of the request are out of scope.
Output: 7:42
